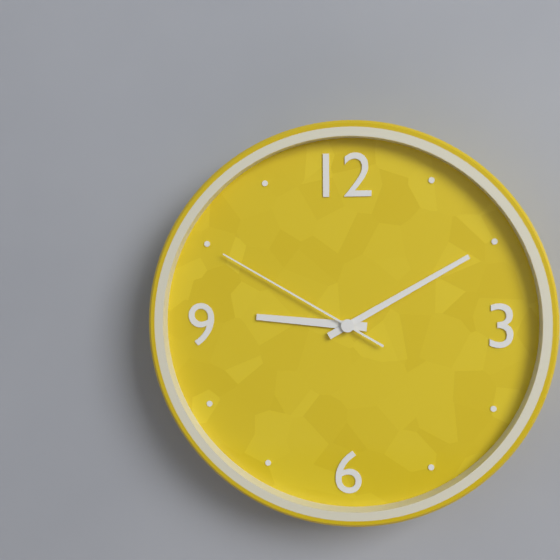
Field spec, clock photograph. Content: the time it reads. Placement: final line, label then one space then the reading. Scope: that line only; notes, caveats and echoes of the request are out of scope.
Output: 9:10:50
